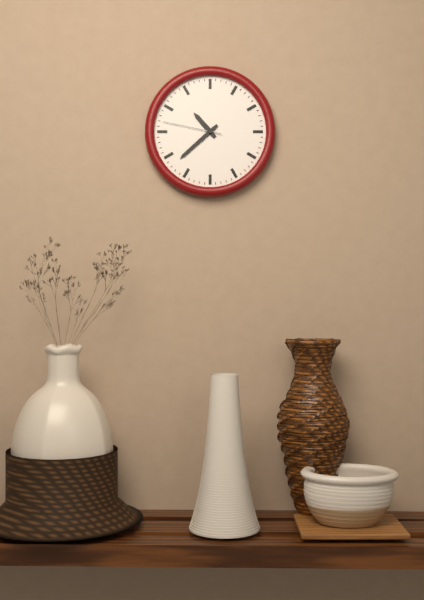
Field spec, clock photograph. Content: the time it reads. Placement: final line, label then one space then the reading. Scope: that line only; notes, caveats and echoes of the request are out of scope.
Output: 10:38:47
